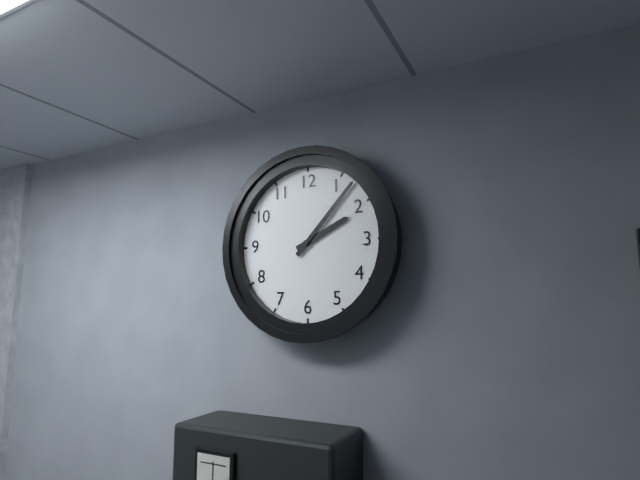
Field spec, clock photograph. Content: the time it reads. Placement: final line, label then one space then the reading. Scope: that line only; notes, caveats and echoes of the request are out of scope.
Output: 2:07
